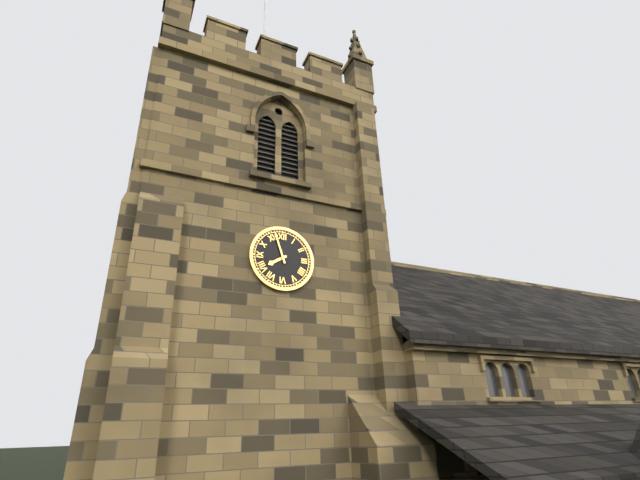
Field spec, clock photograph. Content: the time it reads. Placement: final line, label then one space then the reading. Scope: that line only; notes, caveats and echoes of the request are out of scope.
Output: 7:57
